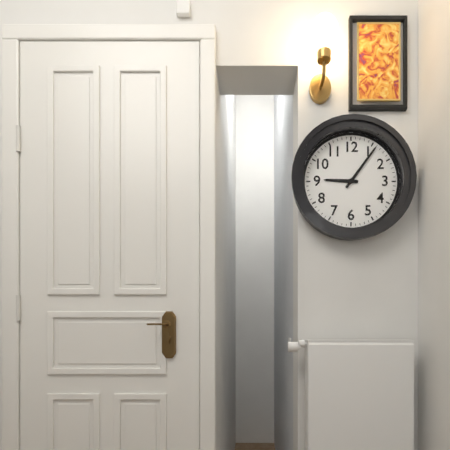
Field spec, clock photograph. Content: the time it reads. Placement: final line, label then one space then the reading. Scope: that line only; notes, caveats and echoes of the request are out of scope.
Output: 9:06
